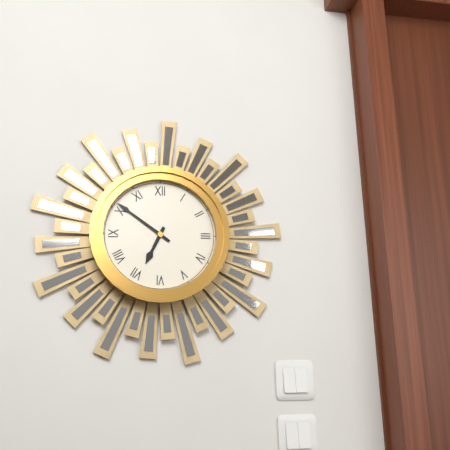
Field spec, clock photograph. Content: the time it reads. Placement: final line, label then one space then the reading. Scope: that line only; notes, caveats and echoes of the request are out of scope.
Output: 6:51
